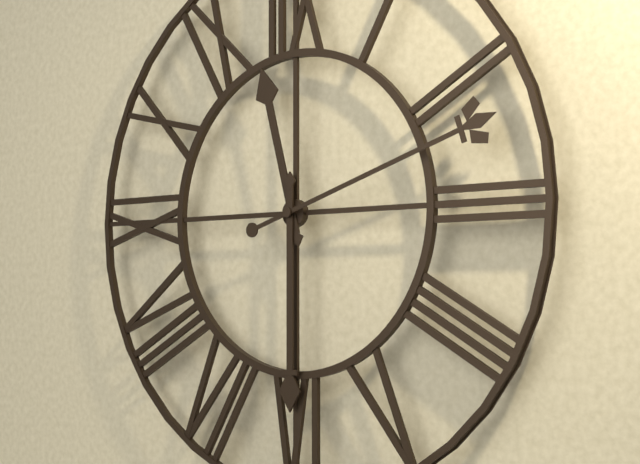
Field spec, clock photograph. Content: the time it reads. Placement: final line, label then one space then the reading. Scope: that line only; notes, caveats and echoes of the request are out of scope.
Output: 11:30:12
